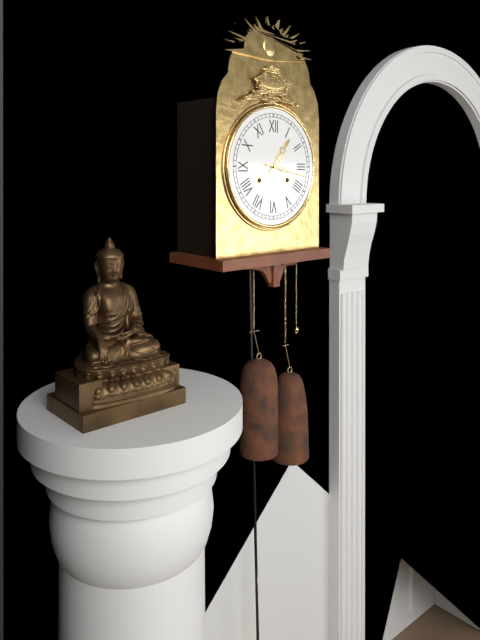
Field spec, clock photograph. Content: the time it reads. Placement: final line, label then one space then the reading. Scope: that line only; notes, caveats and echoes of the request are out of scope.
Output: 1:17
